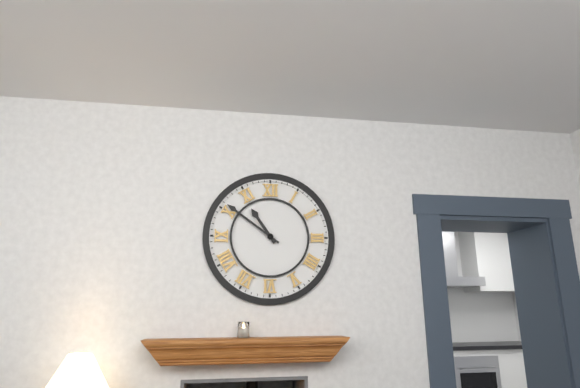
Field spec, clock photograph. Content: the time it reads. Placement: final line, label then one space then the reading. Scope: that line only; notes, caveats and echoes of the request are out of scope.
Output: 10:51
